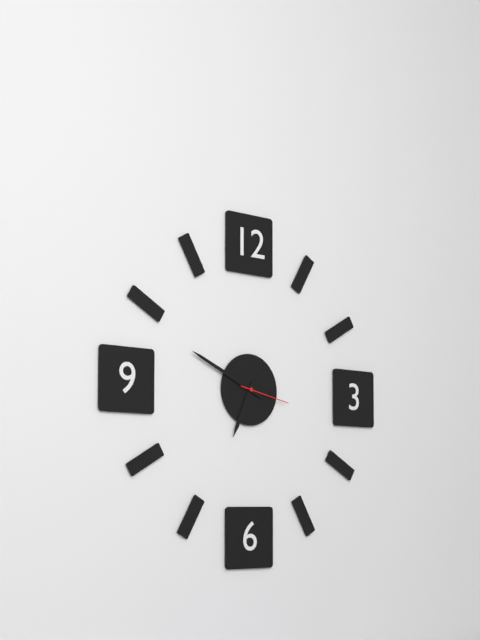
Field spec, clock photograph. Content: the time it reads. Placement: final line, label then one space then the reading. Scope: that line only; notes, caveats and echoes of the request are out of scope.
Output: 6:49:17
